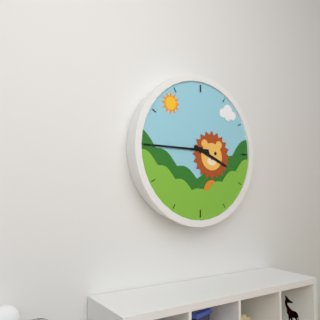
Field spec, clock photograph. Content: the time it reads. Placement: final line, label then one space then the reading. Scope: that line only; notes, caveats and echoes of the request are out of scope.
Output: 3:45
